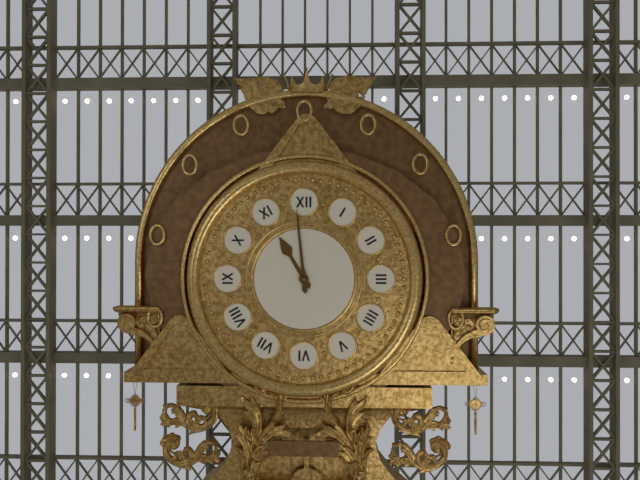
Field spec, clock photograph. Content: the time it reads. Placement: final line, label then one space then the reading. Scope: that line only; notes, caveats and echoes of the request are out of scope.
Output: 10:59
